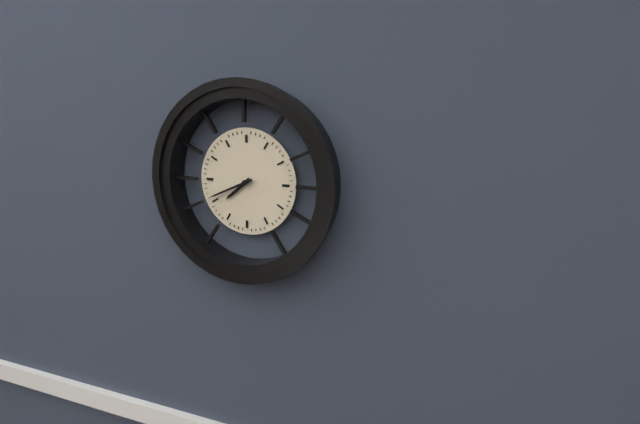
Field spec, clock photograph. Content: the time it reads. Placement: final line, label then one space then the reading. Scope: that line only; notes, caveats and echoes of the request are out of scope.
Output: 7:41
